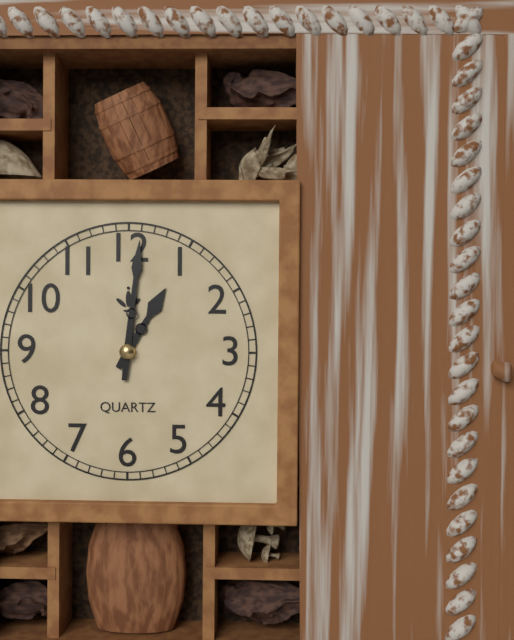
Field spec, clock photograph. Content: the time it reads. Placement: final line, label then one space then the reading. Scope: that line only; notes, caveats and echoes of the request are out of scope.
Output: 1:01
